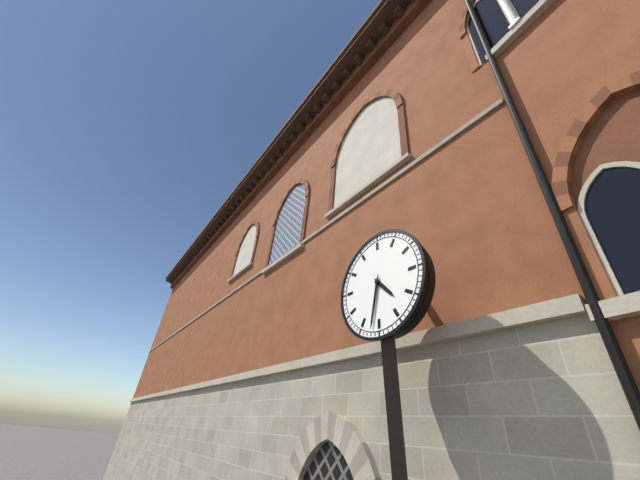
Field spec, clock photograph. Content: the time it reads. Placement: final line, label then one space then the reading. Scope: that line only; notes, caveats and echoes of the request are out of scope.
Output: 4:32
